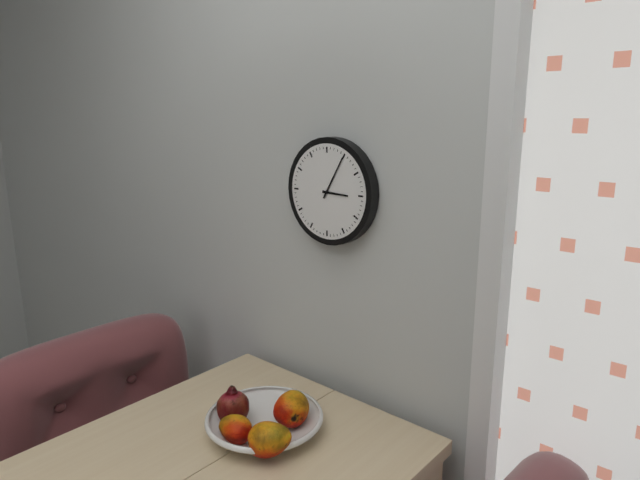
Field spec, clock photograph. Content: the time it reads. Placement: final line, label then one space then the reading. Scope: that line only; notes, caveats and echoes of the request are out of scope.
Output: 3:05
